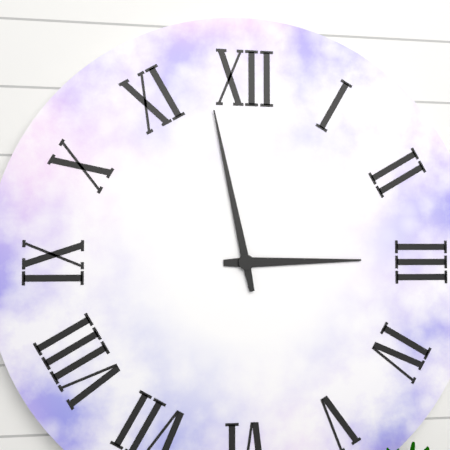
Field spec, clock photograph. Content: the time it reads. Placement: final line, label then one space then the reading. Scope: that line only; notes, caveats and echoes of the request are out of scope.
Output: 2:58
